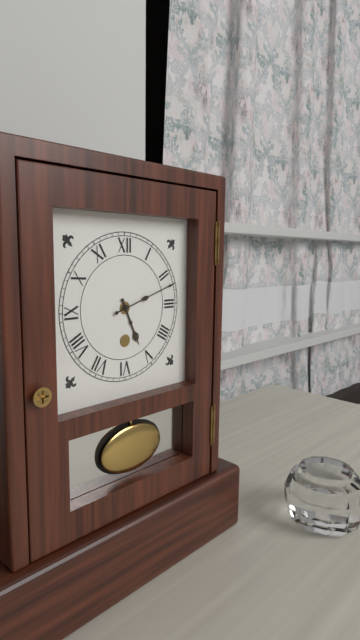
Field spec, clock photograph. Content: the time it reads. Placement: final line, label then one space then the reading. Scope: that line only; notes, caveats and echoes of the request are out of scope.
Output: 5:12
